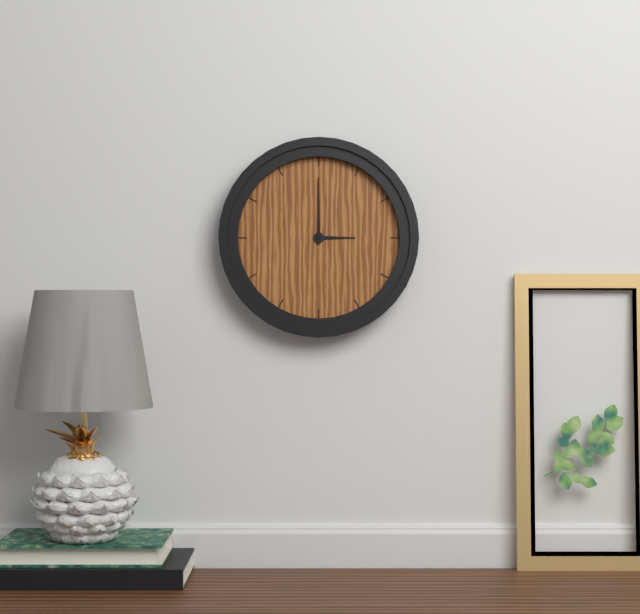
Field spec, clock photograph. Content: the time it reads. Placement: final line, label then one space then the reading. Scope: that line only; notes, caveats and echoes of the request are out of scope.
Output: 3:00
